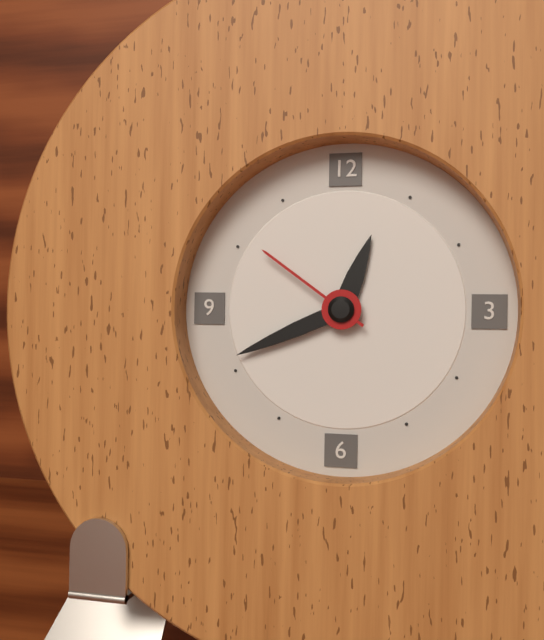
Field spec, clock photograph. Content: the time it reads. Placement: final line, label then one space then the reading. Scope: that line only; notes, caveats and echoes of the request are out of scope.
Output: 12:41:51
